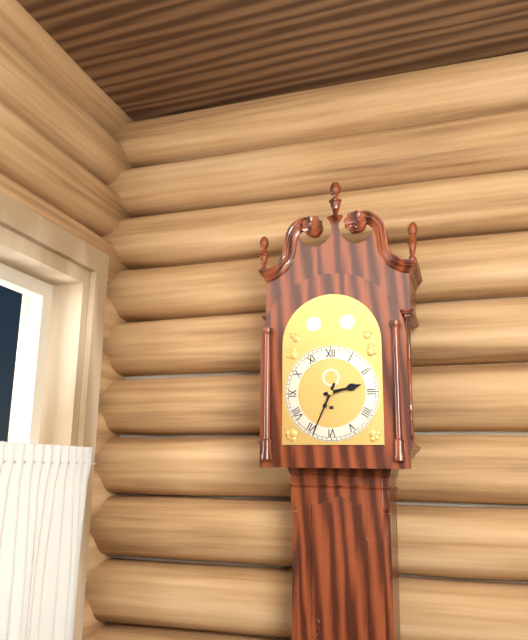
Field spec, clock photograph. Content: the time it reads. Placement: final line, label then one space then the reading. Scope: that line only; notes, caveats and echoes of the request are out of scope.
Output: 2:34
